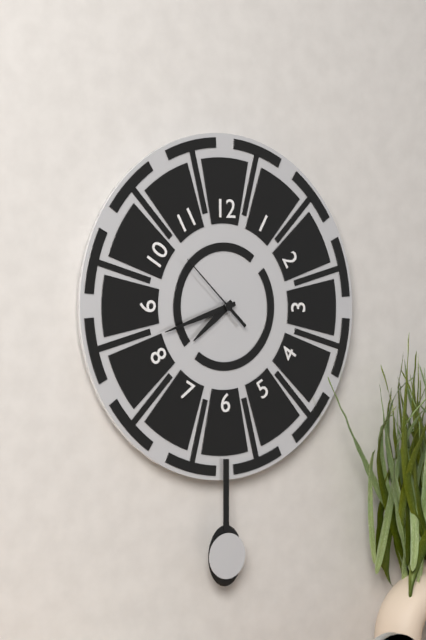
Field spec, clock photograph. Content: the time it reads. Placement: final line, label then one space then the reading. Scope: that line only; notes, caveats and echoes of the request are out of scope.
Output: 7:42:52
